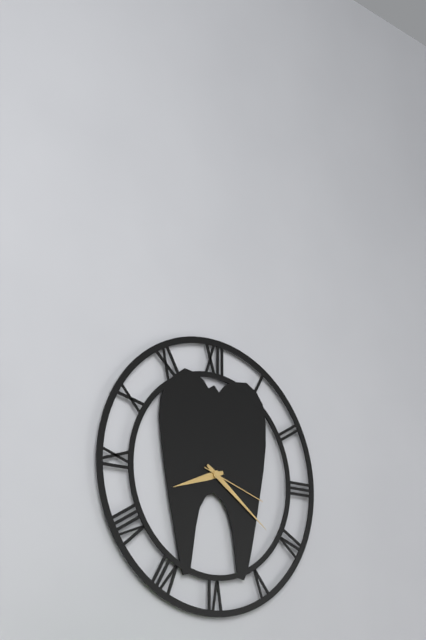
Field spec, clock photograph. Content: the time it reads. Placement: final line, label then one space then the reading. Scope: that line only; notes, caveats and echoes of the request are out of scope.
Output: 8:21:18
